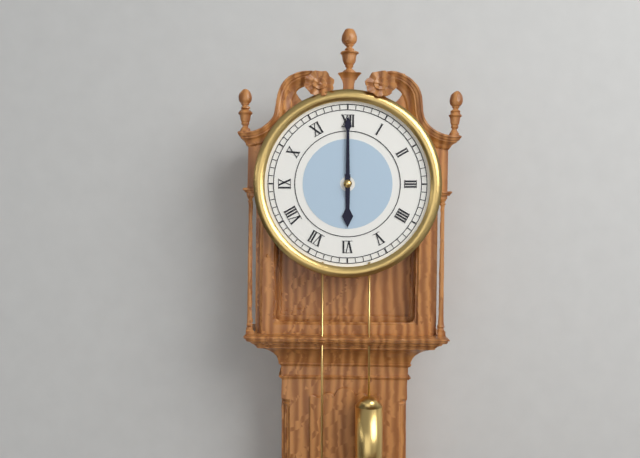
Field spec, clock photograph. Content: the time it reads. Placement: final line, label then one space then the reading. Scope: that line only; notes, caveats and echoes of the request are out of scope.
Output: 6:00
